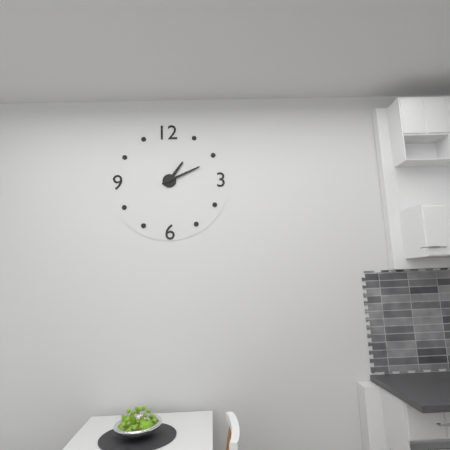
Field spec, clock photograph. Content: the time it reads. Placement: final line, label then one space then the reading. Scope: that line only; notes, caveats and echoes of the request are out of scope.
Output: 1:11
